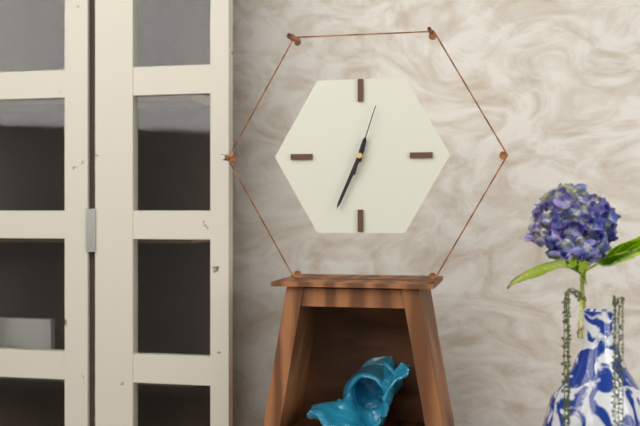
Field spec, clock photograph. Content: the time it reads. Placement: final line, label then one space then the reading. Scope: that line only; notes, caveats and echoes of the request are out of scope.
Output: 12:34:03
